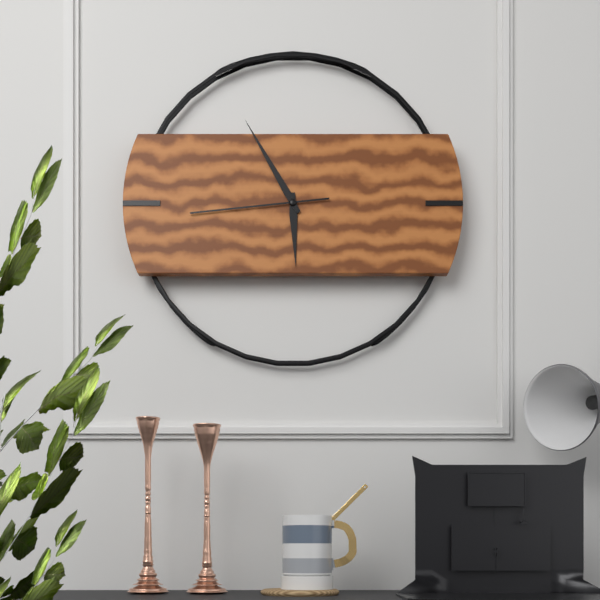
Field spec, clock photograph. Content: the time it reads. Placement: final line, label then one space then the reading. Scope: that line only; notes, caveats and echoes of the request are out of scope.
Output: 5:55:44
